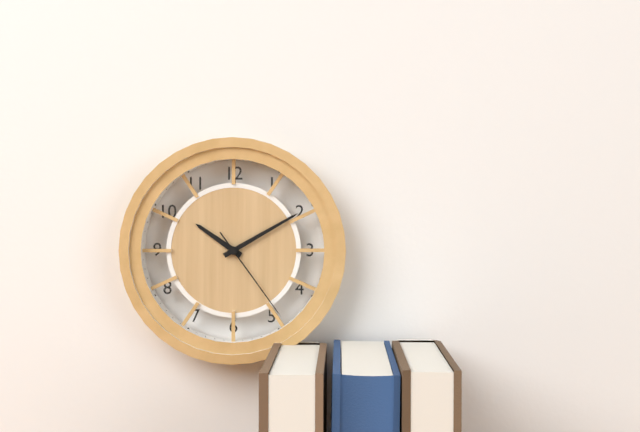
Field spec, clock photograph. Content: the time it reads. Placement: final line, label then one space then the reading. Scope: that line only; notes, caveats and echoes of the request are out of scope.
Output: 10:10:24
